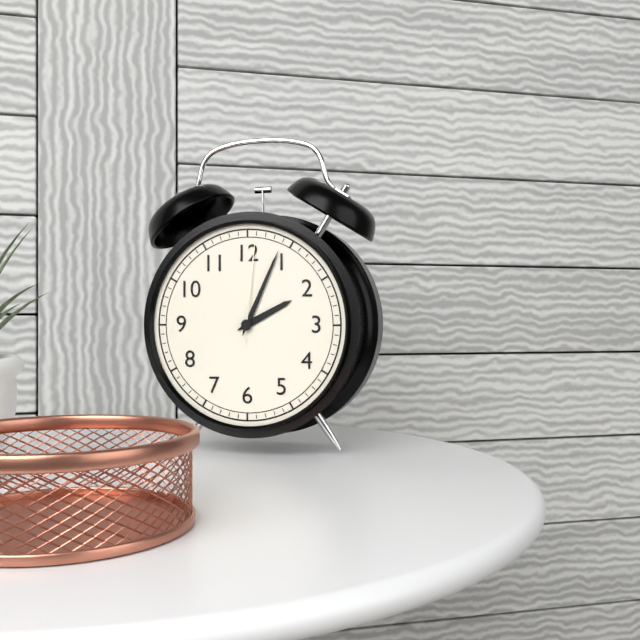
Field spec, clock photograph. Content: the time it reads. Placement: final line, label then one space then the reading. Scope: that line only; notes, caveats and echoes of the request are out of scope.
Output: 2:04:01
